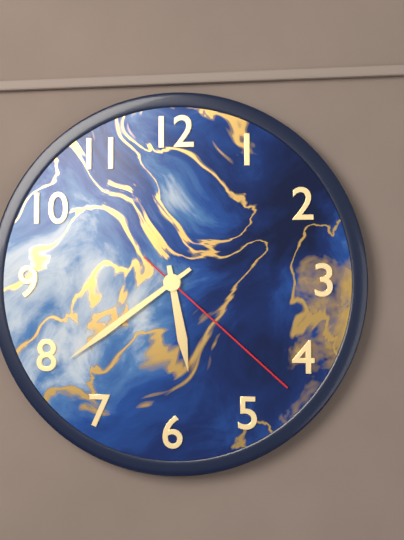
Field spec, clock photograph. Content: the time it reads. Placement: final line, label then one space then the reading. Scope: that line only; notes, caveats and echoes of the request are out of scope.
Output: 5:39:22
